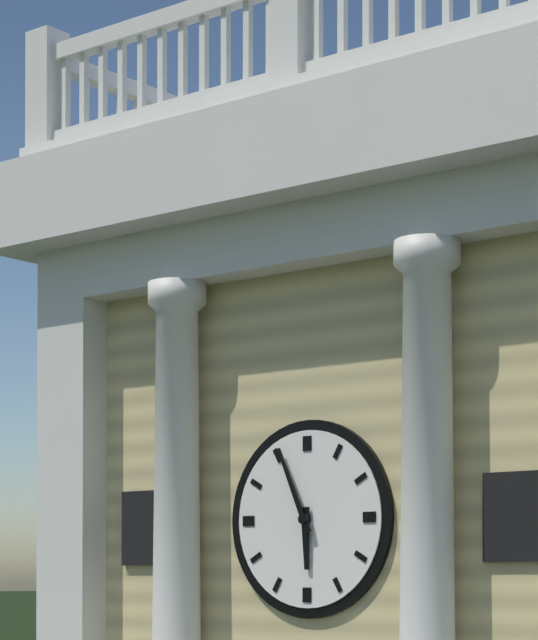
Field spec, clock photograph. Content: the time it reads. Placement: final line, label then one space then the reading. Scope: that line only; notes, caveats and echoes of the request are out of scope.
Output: 5:56
